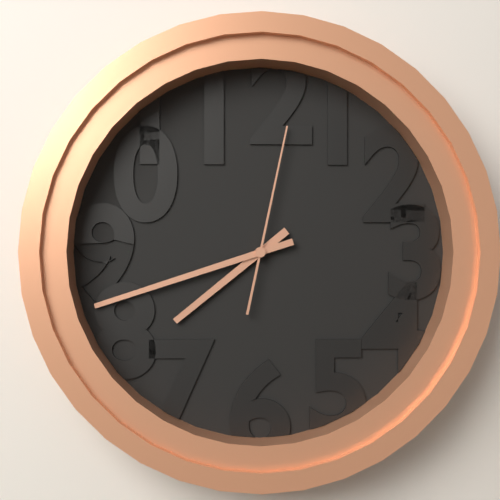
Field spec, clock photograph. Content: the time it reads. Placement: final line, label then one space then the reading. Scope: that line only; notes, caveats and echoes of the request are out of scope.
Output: 7:42:02
